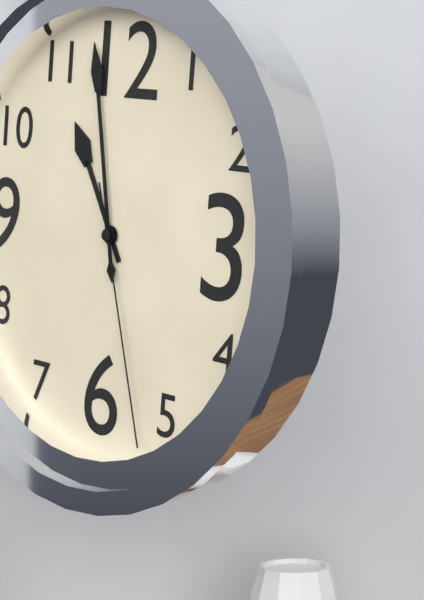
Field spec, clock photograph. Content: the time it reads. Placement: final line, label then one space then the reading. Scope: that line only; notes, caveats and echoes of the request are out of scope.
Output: 10:58:27
